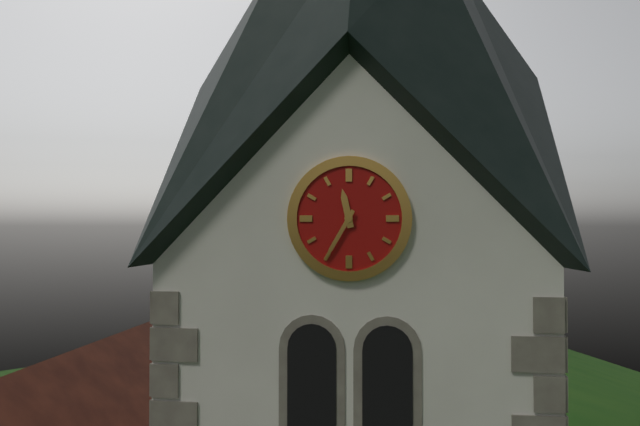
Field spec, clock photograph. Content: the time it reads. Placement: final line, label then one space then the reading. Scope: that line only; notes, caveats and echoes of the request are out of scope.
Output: 11:35
